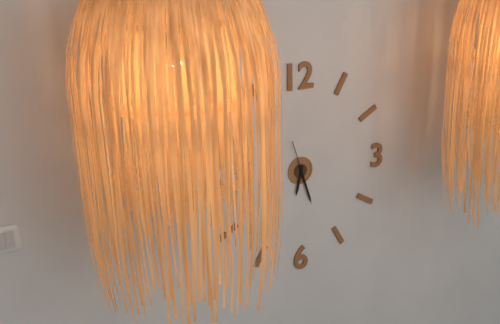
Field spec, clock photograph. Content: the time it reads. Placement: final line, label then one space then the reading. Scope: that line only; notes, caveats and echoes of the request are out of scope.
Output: 6:27
